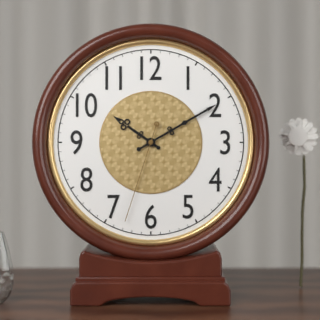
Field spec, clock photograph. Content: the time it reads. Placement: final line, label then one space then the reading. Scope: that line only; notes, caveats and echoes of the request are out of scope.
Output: 10:10:33
